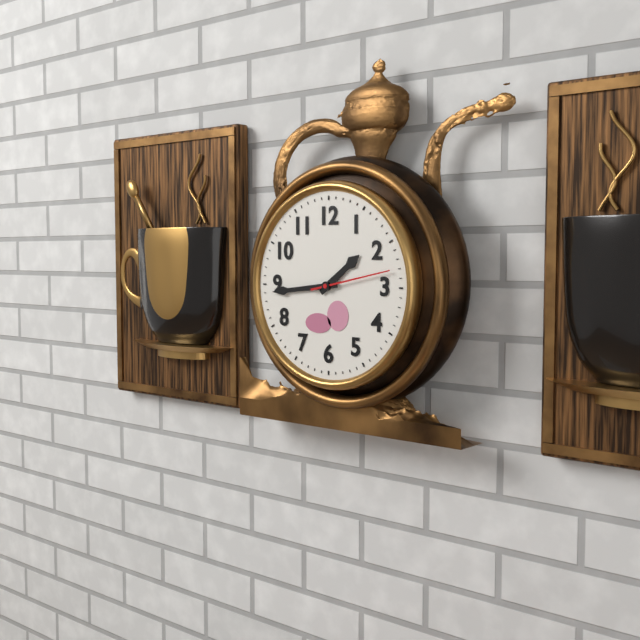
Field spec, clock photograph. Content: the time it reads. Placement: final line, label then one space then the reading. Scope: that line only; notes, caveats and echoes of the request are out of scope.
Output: 1:44:13
